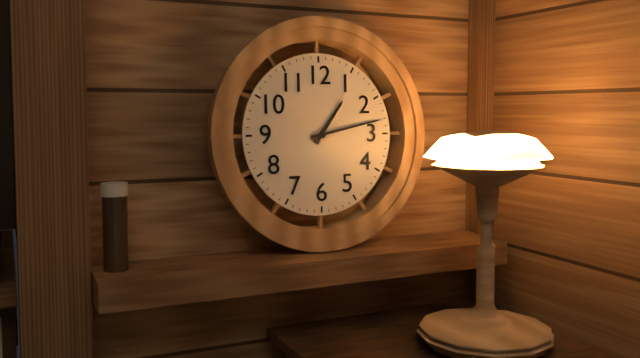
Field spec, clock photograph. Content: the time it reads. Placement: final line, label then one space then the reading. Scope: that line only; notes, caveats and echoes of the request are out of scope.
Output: 1:13
